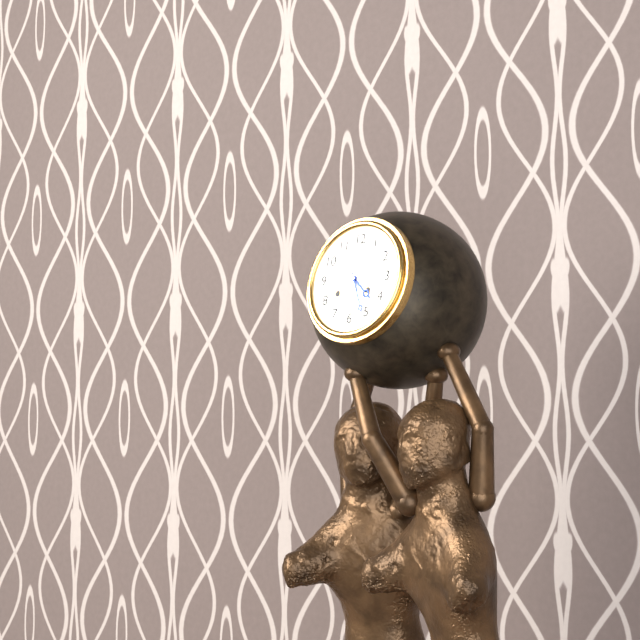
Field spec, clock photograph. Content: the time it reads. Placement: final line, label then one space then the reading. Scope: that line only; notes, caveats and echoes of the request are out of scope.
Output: 4:26
